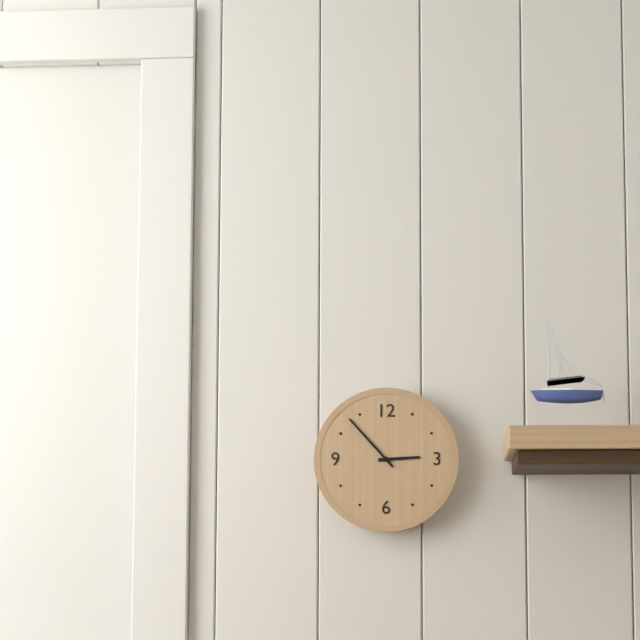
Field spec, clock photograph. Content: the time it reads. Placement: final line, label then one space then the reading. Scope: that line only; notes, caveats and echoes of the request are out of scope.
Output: 2:53
